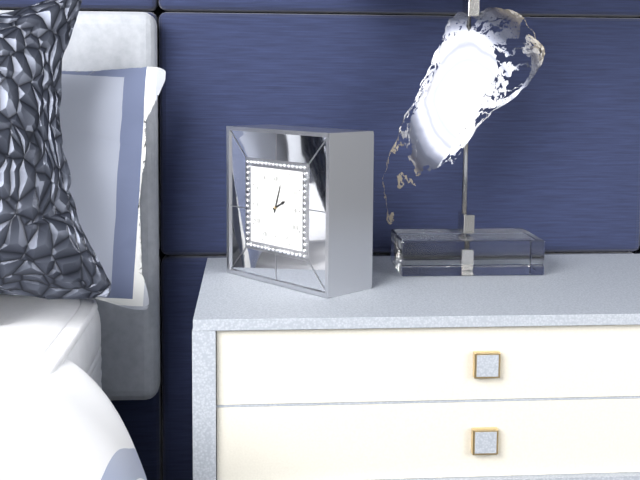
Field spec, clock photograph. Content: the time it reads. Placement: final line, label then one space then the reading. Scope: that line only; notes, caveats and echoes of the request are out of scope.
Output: 2:03
